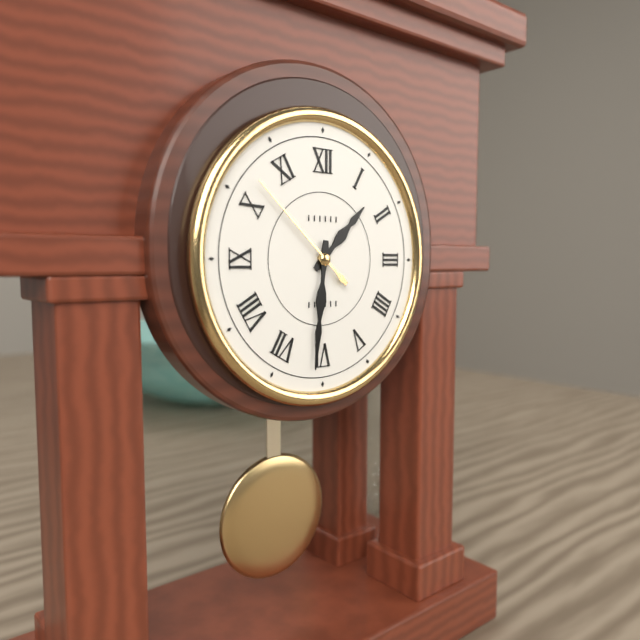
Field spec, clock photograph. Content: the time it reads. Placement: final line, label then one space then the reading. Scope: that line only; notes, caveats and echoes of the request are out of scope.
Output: 1:31:52
